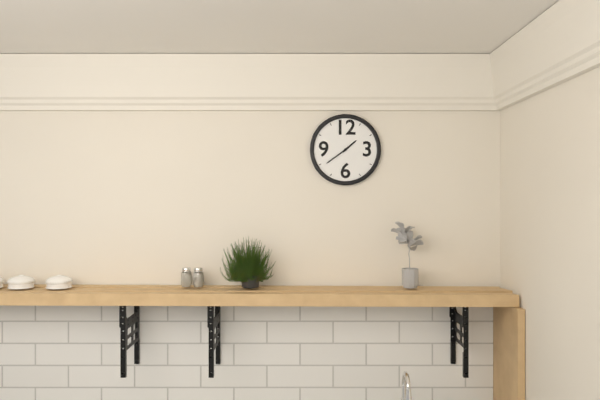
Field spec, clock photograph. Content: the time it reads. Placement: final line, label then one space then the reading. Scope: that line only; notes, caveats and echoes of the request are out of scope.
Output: 1:39
